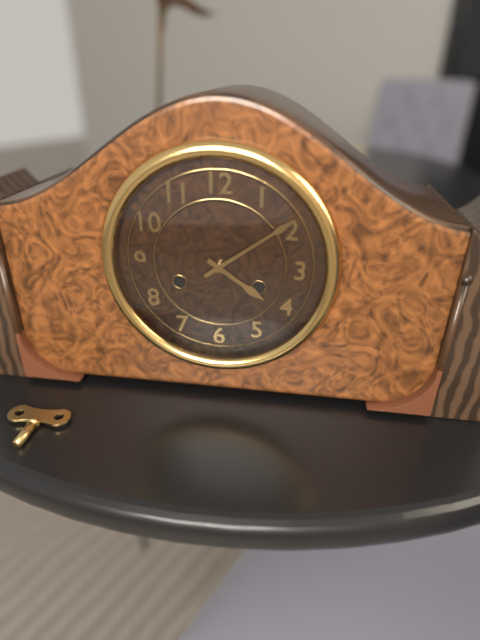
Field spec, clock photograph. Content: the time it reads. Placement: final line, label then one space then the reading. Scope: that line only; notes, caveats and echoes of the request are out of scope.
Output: 4:09
